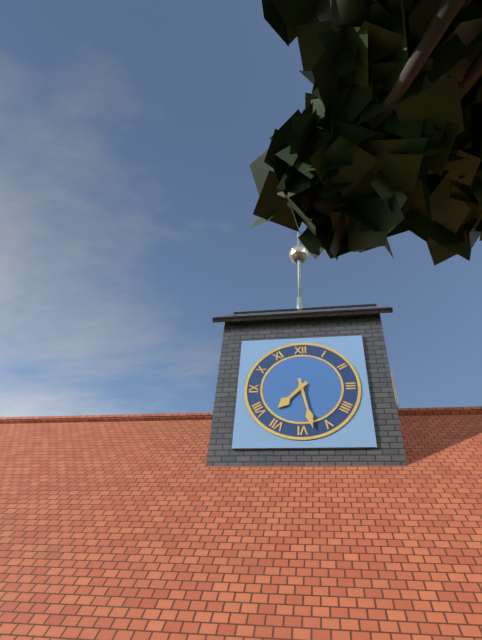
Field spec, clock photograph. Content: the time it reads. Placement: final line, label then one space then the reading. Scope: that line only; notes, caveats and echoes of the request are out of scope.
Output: 7:28
